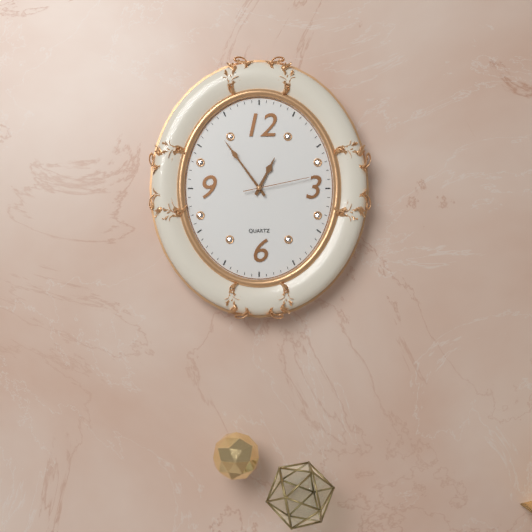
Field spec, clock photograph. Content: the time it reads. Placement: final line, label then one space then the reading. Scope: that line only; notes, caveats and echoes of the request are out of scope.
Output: 12:54:13
